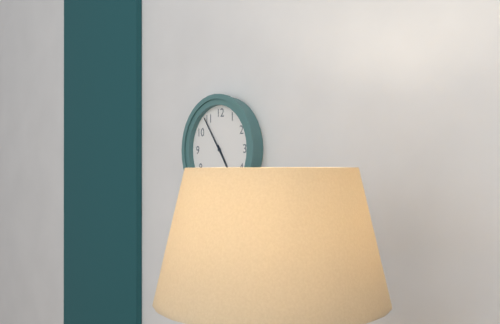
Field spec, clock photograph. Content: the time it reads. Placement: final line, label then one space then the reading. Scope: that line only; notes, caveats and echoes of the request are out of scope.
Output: 4:54
